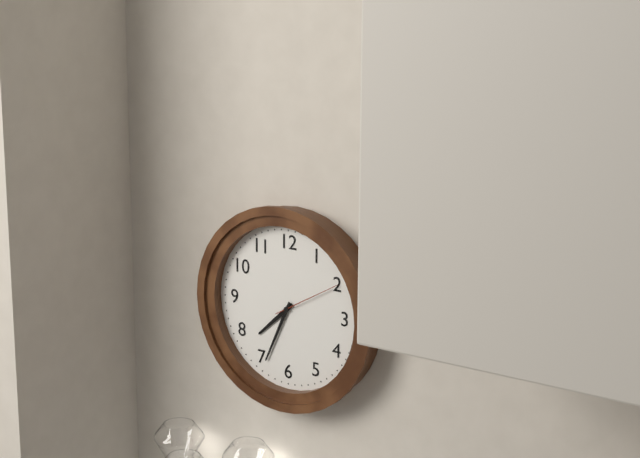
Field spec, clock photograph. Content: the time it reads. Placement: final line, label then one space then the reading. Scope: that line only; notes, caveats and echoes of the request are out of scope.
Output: 7:34:10
